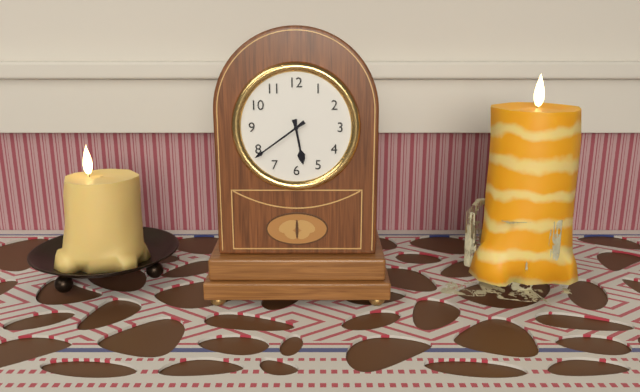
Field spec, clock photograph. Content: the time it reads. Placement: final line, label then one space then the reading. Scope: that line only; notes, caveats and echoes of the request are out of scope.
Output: 5:39
